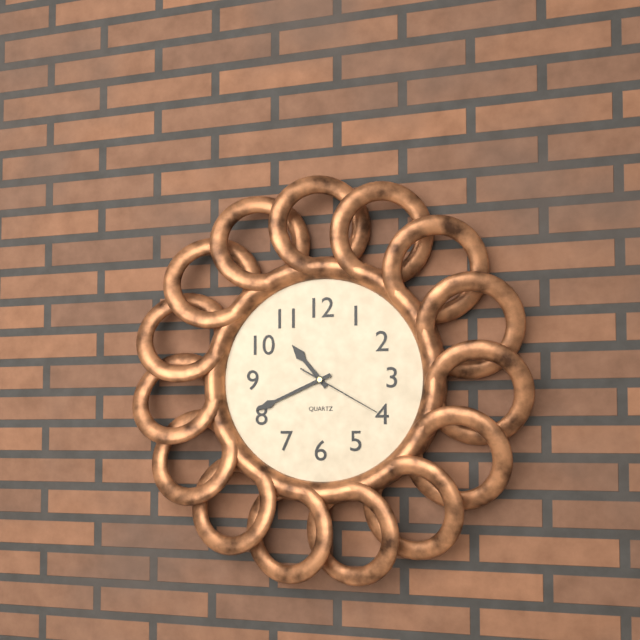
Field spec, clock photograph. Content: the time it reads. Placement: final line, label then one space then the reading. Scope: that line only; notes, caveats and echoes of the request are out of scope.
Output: 10:41:20
